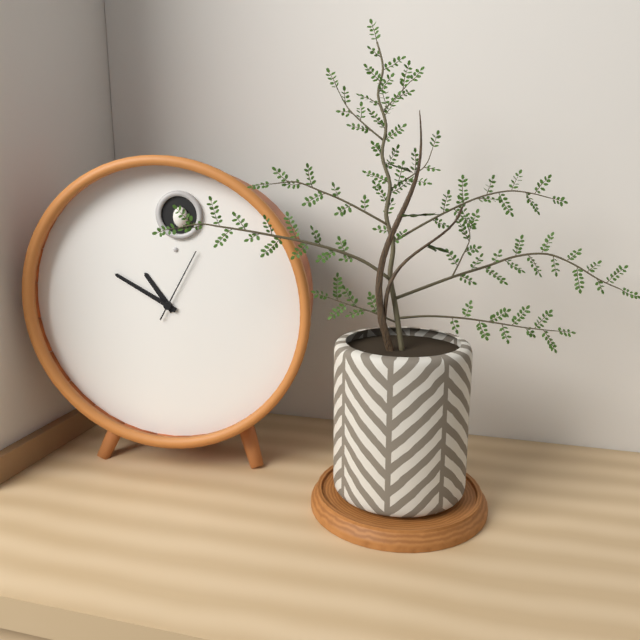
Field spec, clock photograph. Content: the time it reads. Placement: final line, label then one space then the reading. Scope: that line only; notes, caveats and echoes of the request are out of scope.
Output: 10:50:05
